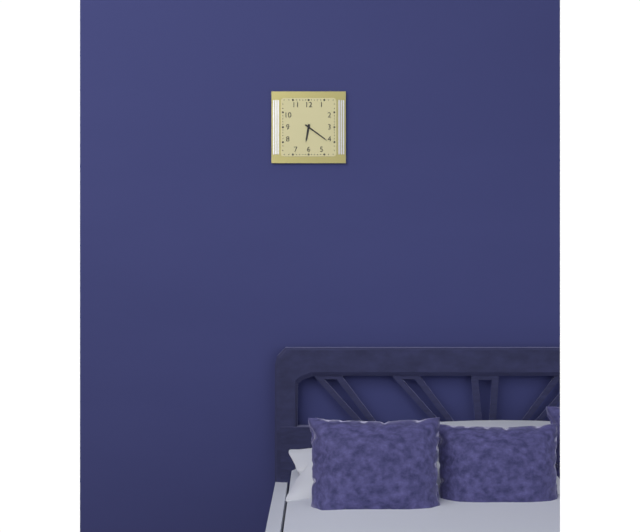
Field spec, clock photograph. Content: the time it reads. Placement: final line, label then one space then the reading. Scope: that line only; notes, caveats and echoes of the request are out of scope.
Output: 6:21
